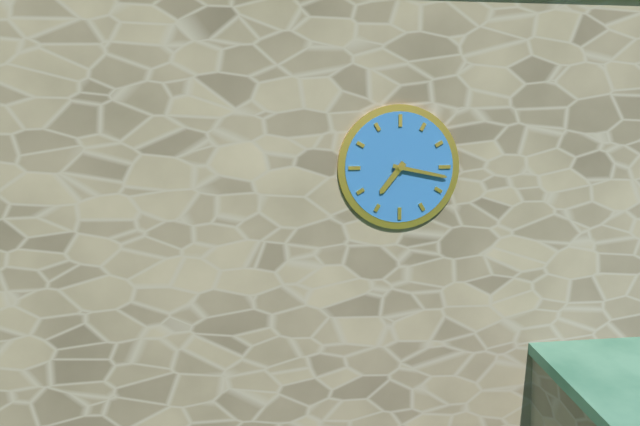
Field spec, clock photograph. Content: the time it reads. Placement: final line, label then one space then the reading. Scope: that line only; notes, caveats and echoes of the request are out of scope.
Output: 7:17
